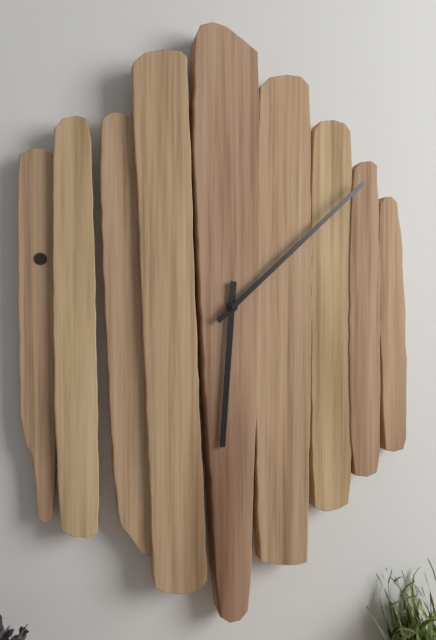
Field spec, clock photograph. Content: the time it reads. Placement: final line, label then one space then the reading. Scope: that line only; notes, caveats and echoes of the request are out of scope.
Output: 6:08
